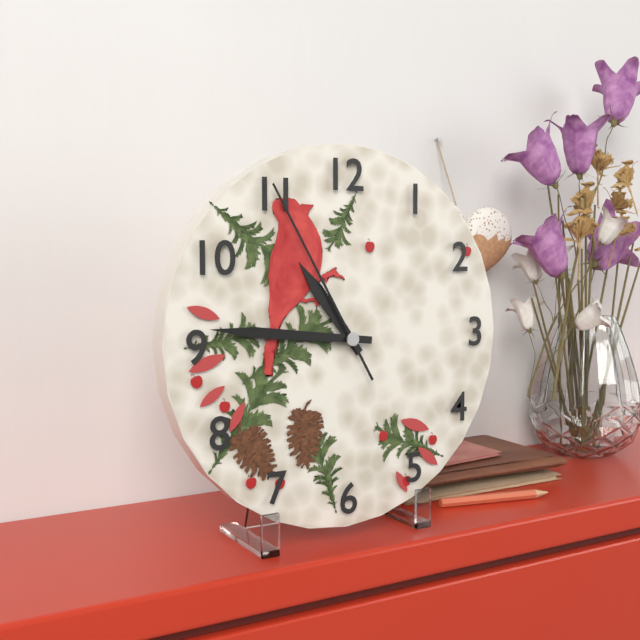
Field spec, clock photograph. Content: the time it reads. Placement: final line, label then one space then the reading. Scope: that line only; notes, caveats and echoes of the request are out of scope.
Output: 10:46:55
